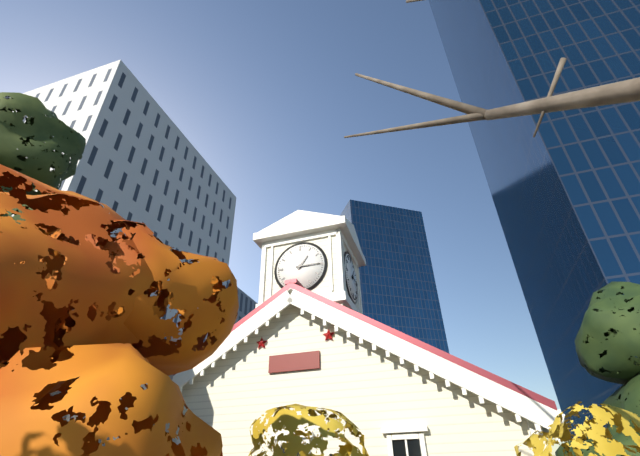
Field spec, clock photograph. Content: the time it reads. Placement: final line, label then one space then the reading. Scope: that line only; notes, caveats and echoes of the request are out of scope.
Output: 1:15
